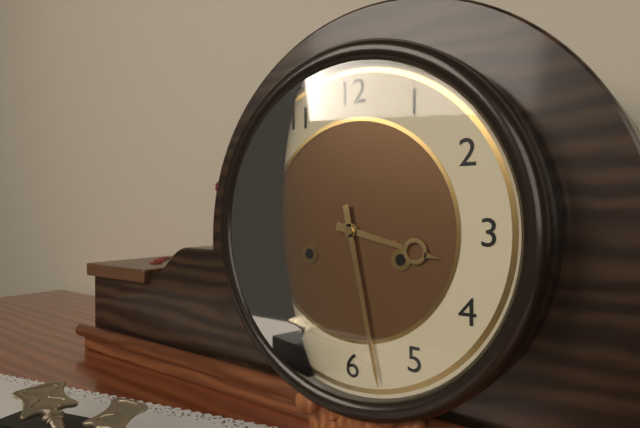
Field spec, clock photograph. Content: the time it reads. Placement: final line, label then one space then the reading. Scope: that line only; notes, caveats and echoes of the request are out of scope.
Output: 3:28
